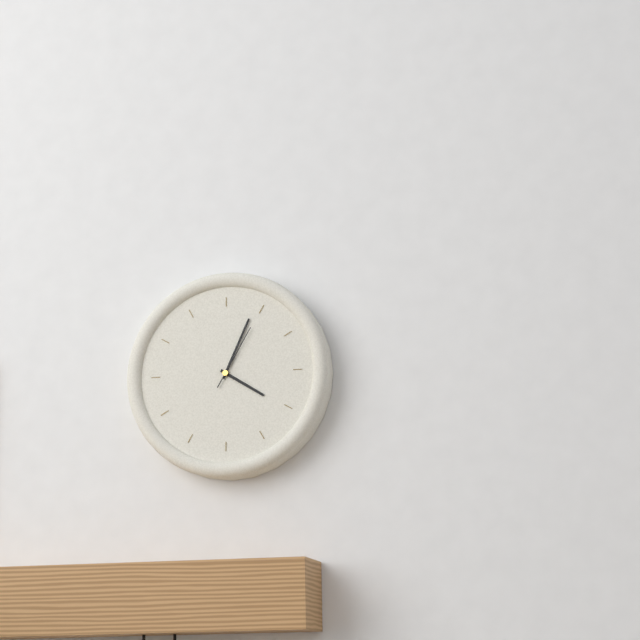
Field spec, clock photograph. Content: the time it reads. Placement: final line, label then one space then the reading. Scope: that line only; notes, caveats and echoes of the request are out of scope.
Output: 4:04:05
